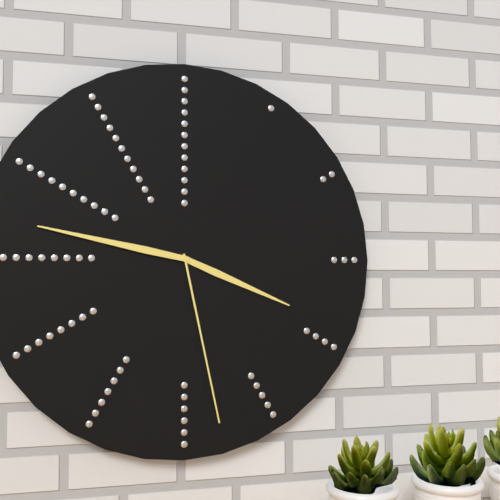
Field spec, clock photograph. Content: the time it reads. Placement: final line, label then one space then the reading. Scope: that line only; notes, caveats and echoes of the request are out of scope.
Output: 3:47:28
